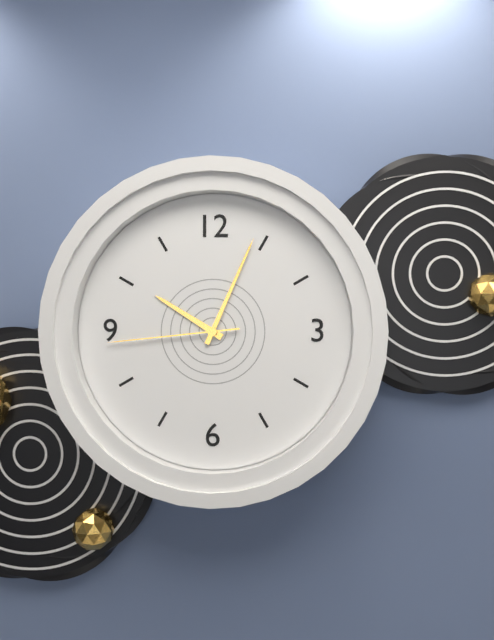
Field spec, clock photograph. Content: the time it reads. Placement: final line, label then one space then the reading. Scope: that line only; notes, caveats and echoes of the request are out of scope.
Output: 10:04:44
